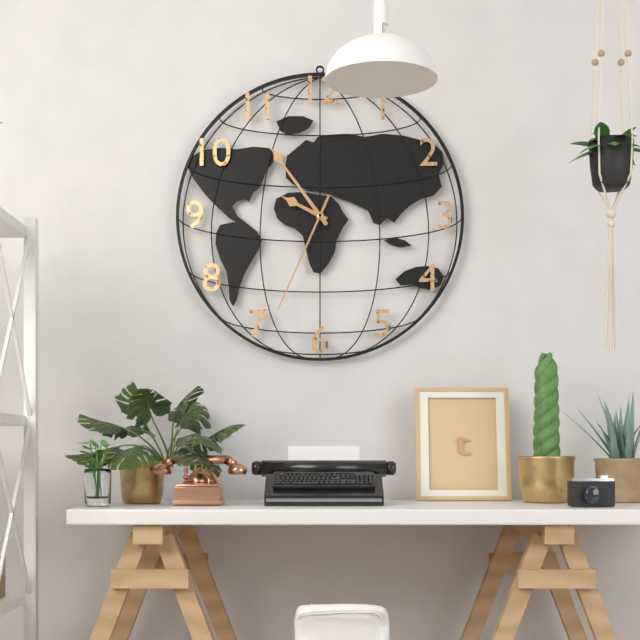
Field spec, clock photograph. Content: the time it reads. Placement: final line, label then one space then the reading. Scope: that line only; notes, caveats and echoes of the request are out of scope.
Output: 9:54:34
